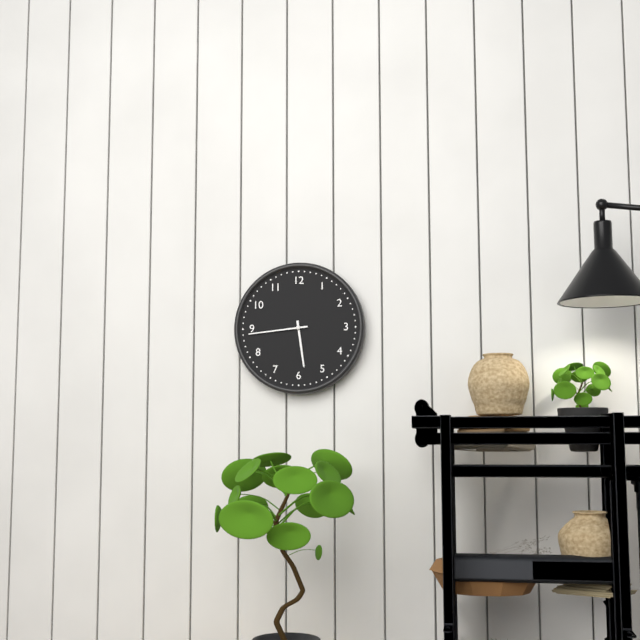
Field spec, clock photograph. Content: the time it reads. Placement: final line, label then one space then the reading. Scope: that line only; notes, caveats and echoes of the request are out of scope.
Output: 5:44
